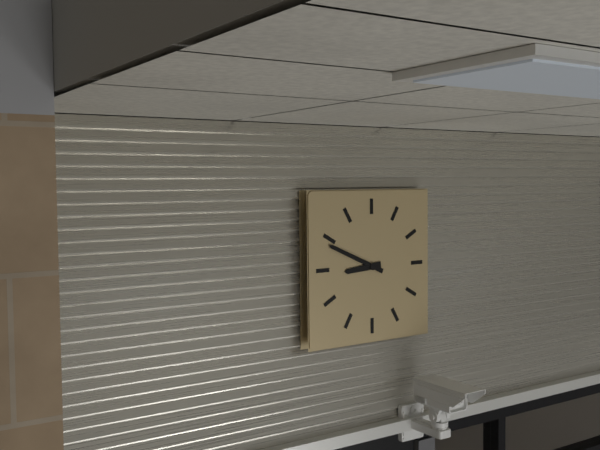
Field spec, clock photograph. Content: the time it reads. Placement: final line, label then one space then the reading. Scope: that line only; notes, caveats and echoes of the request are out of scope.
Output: 8:49
